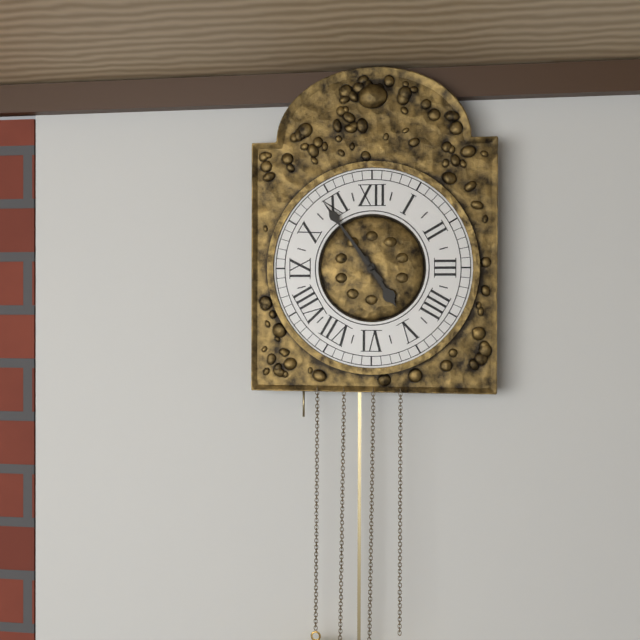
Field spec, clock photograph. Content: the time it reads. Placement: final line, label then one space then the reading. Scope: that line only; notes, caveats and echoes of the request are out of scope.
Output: 4:54
